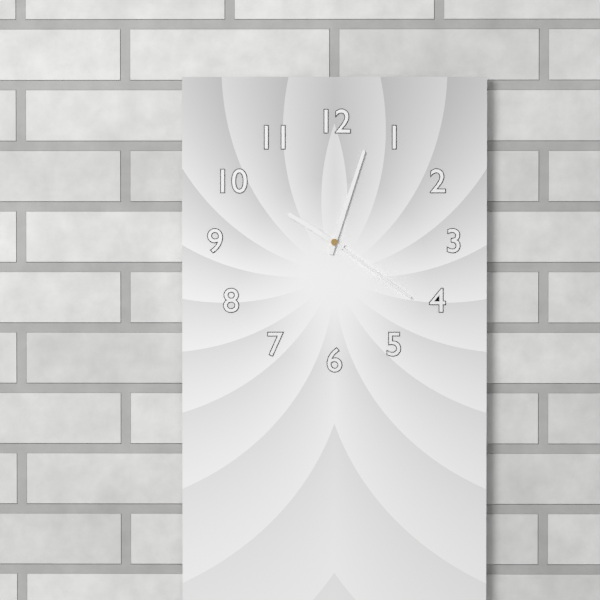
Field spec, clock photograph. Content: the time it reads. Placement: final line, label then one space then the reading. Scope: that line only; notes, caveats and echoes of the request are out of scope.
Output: 10:03:21
